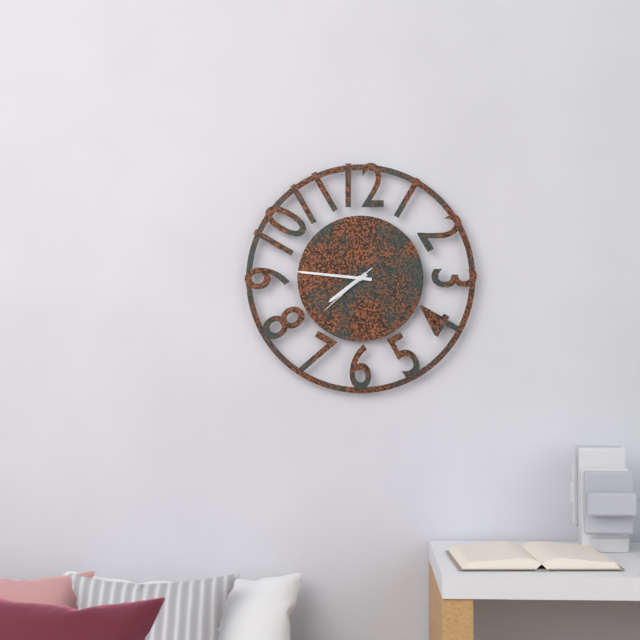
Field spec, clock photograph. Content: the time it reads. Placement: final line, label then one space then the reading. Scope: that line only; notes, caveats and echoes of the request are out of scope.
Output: 7:46:38
